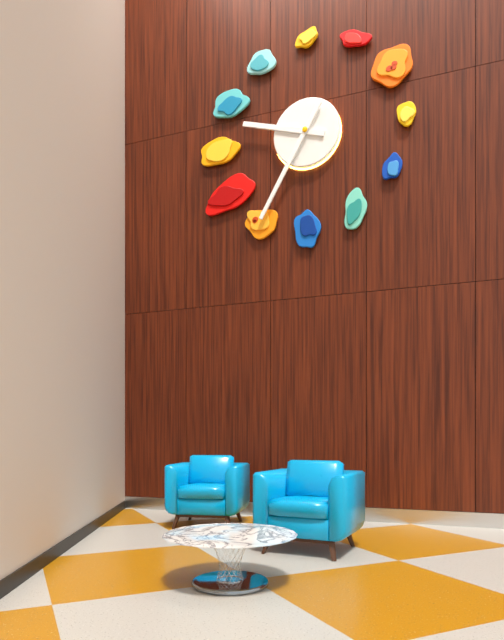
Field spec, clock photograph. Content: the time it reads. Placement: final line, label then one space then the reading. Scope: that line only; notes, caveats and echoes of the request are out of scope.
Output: 9:35
